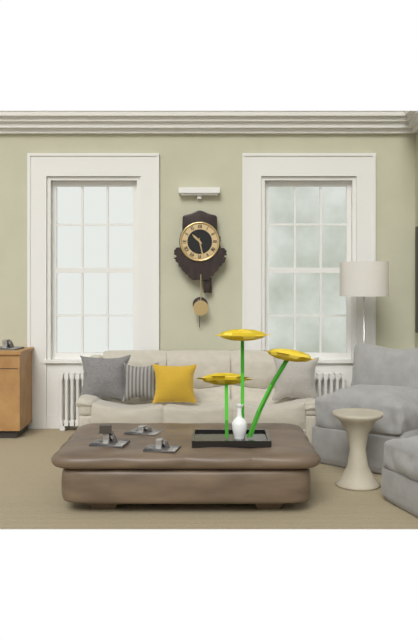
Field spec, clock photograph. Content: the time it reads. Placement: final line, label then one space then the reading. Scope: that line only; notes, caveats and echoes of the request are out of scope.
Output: 10:28
